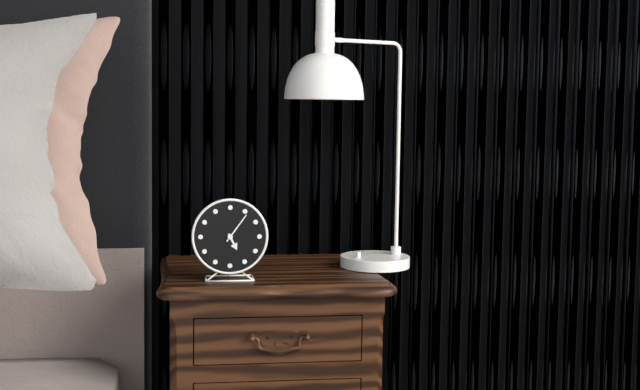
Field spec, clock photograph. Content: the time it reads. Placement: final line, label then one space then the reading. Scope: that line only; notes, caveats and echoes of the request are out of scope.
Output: 5:06
